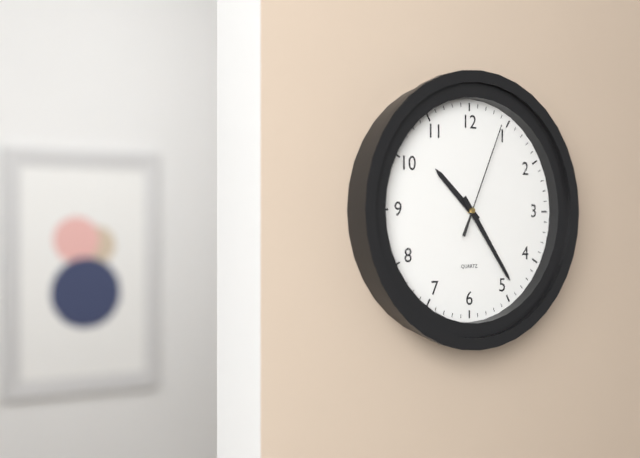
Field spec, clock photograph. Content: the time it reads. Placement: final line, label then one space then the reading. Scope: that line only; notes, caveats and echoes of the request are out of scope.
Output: 10:24:04
